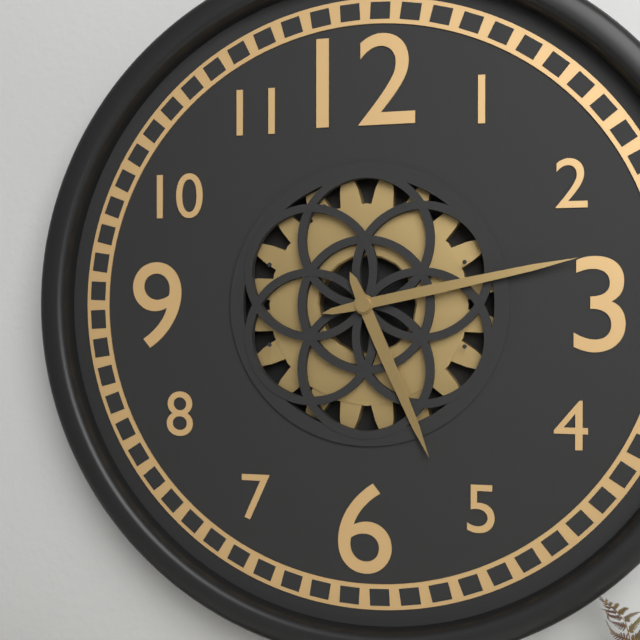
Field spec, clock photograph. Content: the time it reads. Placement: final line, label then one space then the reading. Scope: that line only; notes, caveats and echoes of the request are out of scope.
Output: 5:13
